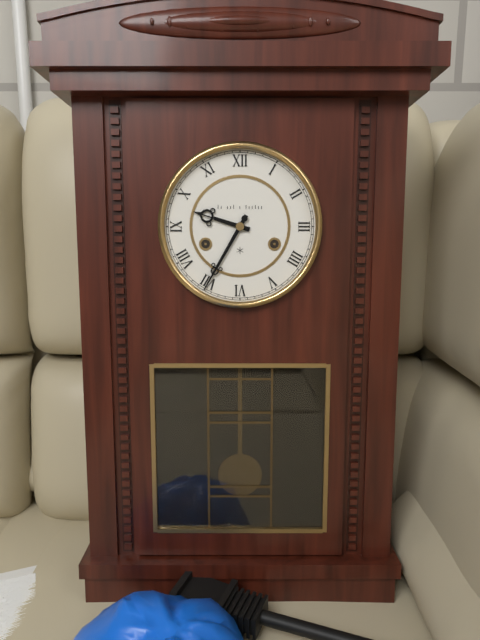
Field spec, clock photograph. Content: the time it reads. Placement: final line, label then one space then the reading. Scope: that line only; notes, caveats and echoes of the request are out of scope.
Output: 9:35
